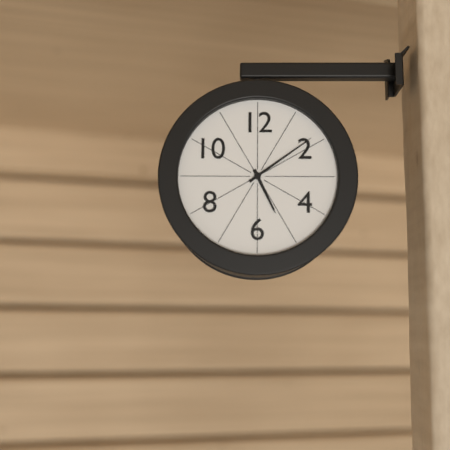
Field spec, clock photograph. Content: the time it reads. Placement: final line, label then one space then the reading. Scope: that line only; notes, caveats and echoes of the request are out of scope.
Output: 5:09
